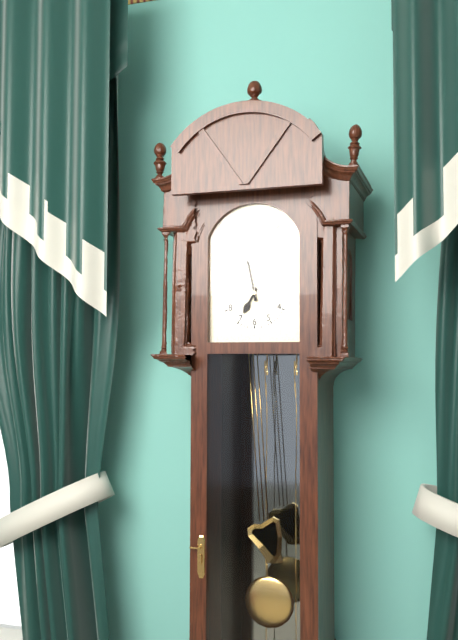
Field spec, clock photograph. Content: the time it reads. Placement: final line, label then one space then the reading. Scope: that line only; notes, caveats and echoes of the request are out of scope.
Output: 6:58
